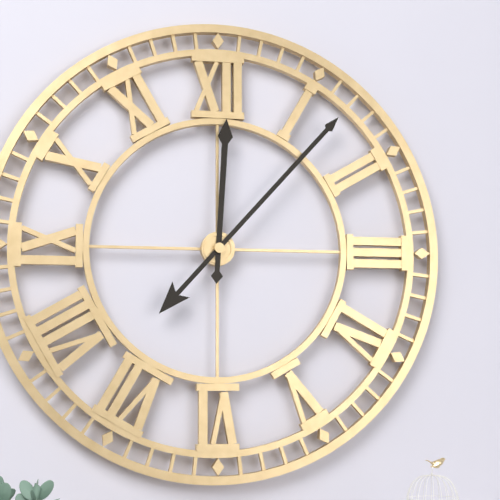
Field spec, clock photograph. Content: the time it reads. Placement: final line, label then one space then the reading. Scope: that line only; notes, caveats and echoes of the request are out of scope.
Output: 12:07
